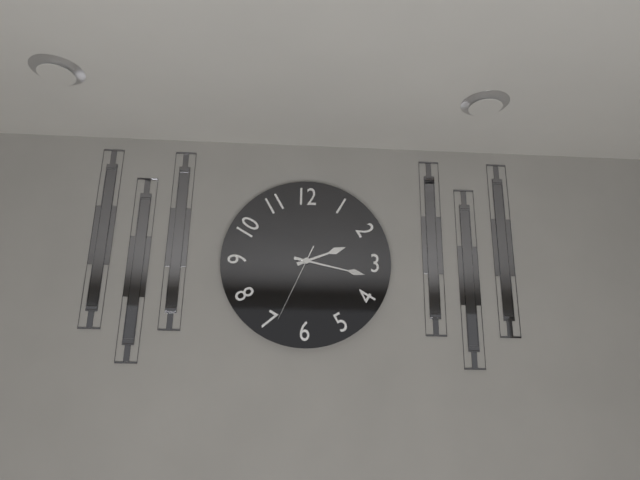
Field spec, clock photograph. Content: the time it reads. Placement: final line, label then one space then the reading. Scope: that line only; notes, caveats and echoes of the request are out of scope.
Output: 2:17:34
